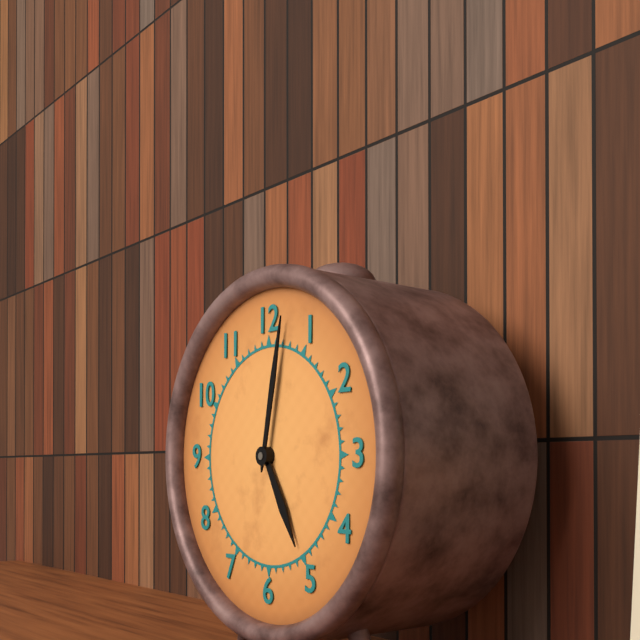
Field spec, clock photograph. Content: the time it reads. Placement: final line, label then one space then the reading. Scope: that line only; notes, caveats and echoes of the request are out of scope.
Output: 5:02
